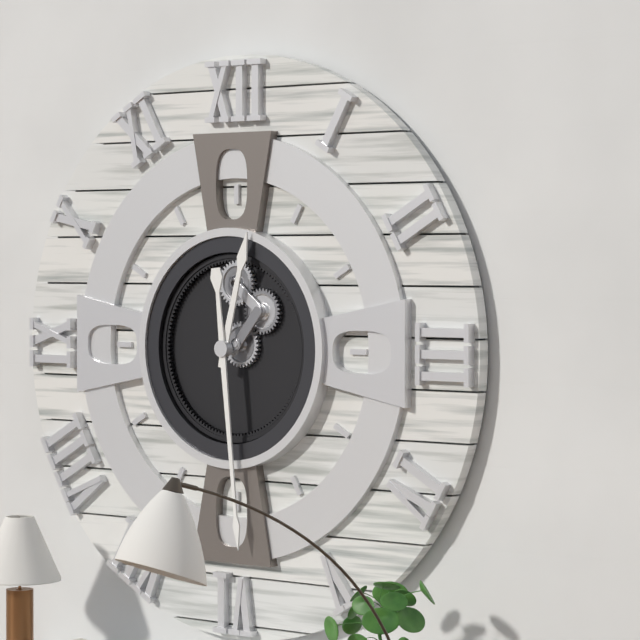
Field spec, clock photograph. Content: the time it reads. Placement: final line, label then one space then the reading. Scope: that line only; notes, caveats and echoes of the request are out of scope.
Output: 12:29
